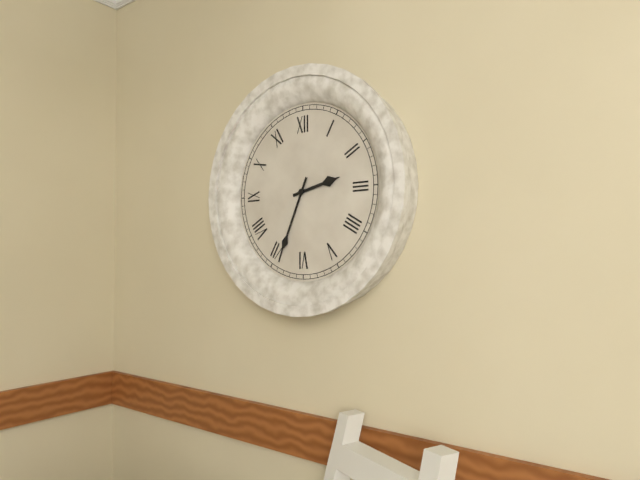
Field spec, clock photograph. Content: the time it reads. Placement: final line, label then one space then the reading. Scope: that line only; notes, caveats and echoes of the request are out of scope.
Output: 2:34
